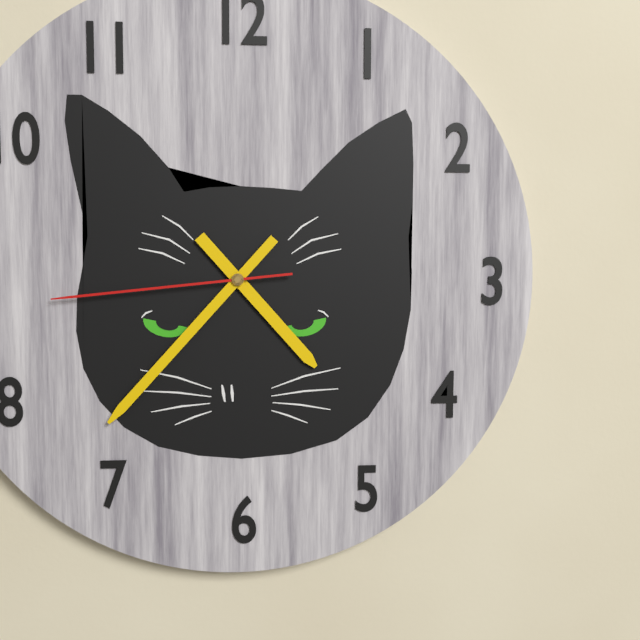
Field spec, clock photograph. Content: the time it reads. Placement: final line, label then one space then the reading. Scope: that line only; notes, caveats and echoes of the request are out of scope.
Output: 4:37:44
